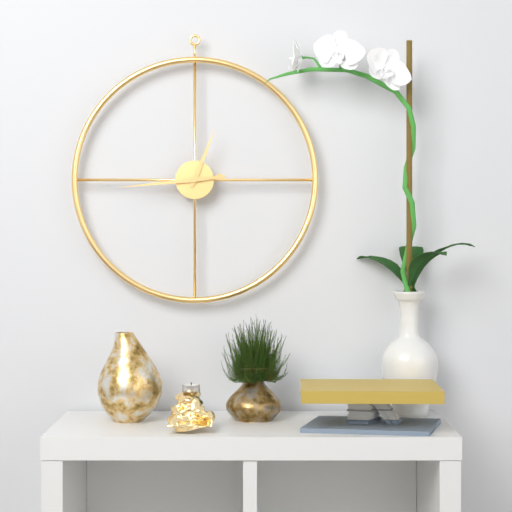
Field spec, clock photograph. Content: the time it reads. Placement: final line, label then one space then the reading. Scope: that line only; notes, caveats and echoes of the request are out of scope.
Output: 12:44
